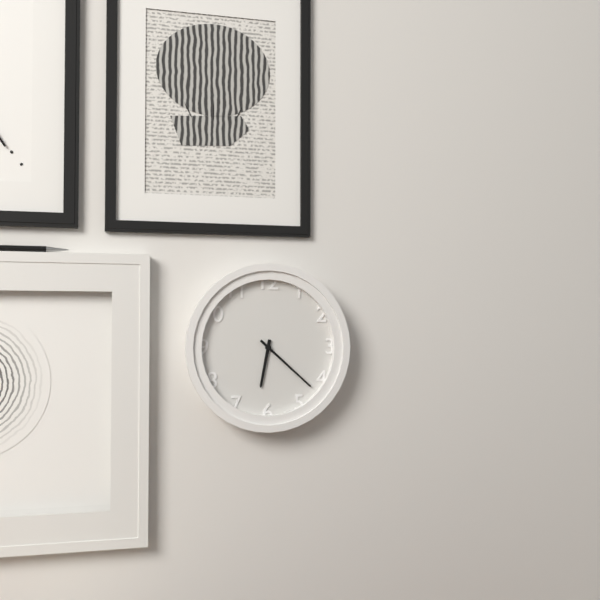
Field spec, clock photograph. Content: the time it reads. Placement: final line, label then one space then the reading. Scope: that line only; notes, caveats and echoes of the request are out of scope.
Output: 6:22
